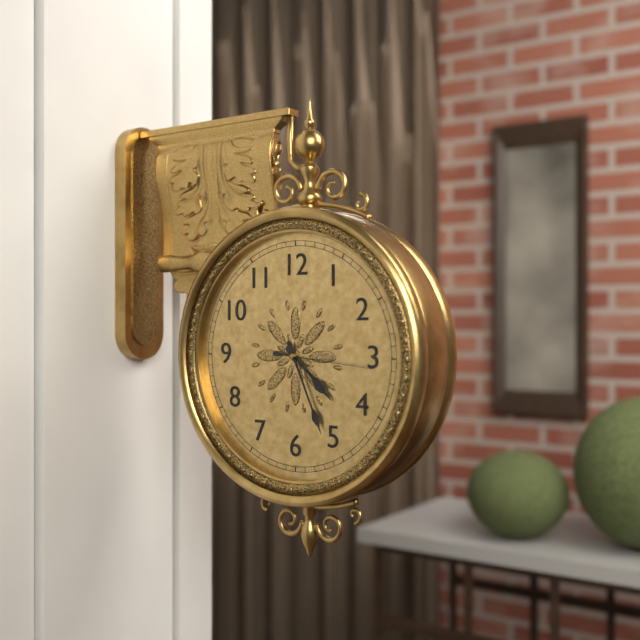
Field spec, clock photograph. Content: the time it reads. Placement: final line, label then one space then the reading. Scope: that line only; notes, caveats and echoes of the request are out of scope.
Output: 4:26:16
